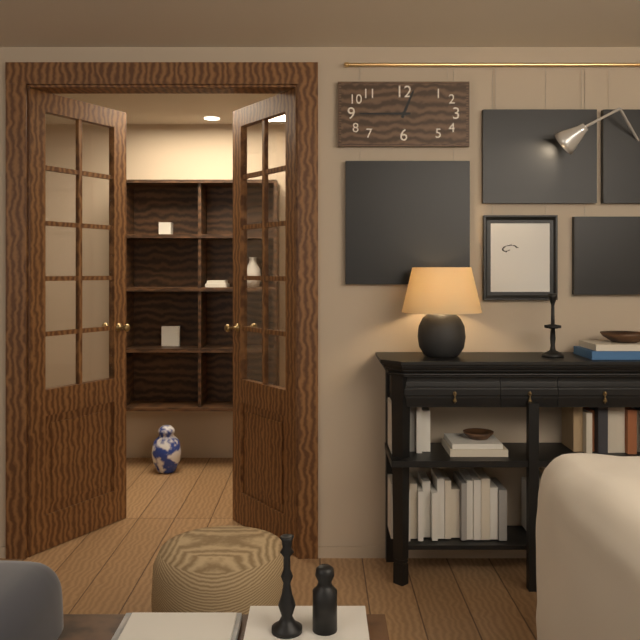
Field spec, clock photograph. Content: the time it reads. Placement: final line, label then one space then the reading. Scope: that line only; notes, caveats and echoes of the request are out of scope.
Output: 12:45
